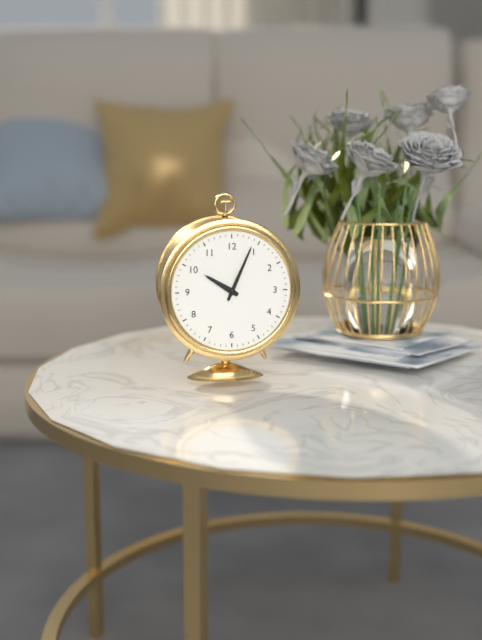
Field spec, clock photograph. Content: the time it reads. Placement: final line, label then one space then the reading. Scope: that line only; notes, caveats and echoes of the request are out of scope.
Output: 10:04
